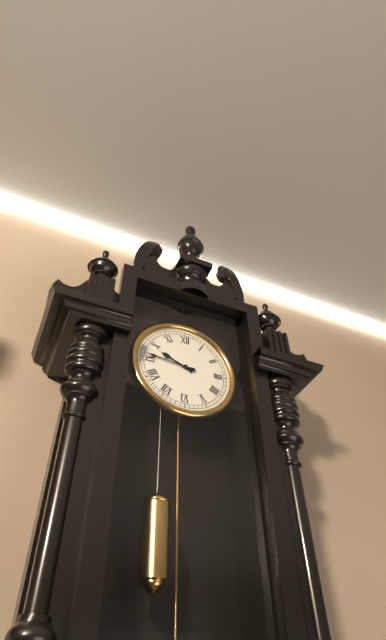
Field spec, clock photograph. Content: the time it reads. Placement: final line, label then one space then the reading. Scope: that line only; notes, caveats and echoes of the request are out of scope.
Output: 9:46
